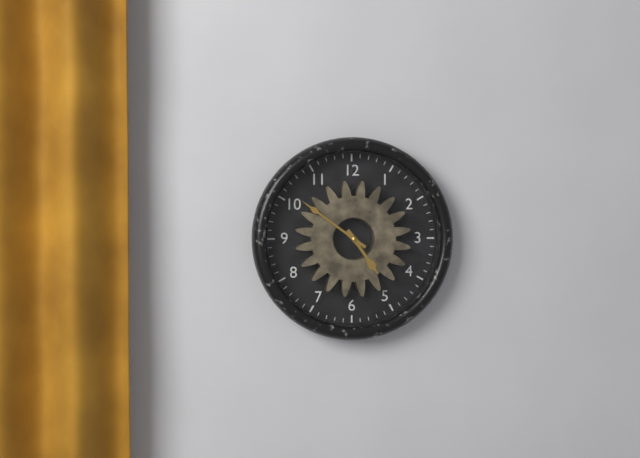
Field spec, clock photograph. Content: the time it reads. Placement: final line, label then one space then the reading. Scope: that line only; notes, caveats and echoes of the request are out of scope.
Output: 4:51
